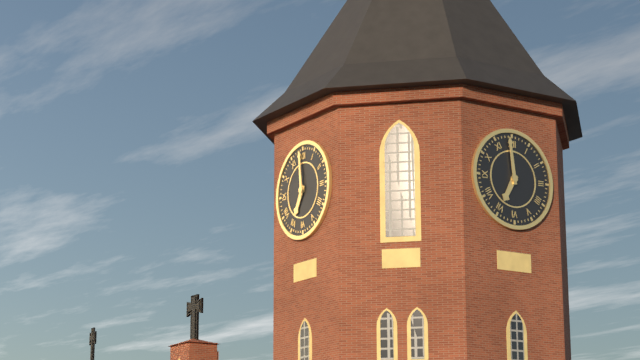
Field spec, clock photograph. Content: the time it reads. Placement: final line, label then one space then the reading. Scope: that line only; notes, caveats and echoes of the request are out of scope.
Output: 6:59
